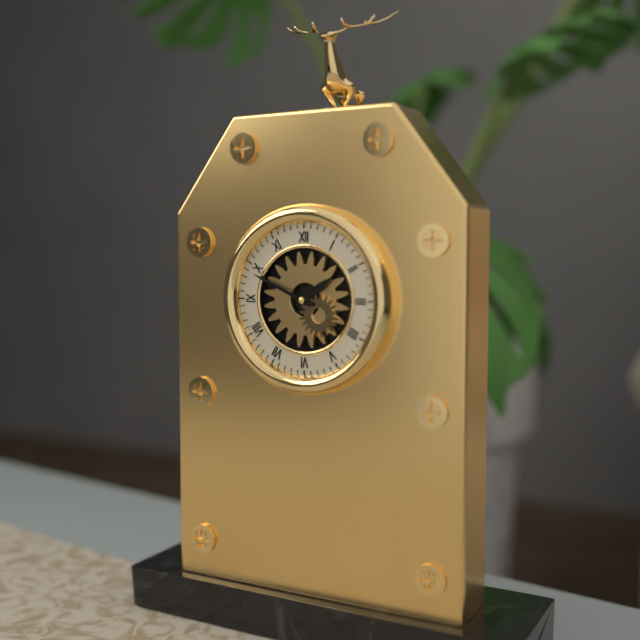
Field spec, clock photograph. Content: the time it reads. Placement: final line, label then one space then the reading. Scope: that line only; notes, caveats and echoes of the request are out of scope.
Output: 1:49
